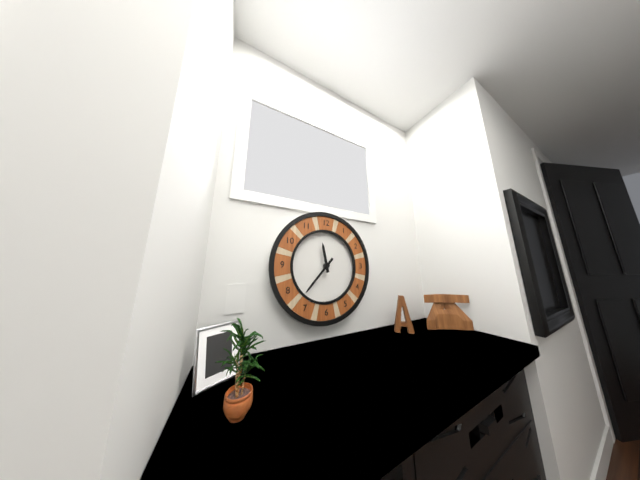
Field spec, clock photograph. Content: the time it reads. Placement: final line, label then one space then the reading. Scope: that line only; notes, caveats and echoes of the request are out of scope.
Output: 11:37
